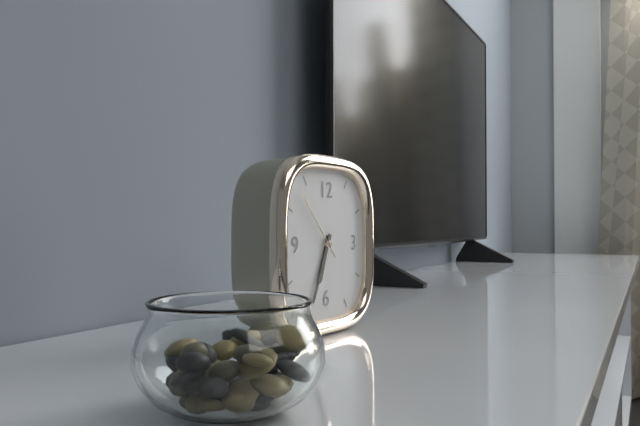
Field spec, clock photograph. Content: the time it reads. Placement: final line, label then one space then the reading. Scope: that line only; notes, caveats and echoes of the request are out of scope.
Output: 6:34:53
